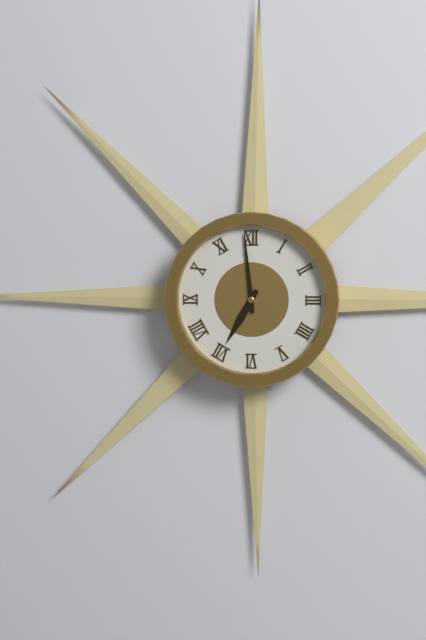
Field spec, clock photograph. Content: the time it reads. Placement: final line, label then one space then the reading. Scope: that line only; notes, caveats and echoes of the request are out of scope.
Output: 6:59
